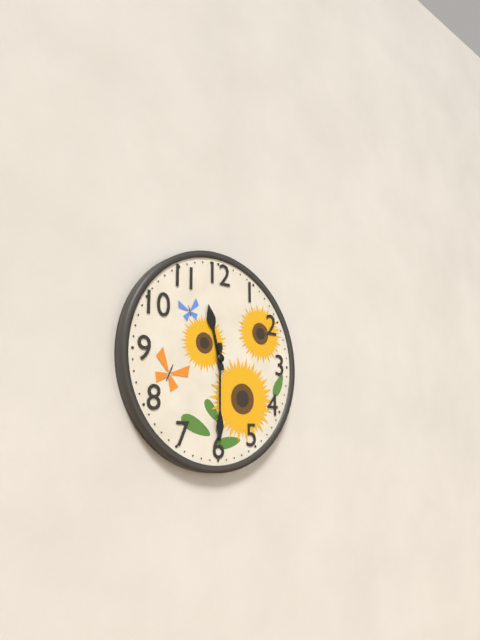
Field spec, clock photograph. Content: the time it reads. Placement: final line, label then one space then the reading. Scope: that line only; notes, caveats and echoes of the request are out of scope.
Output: 11:30
